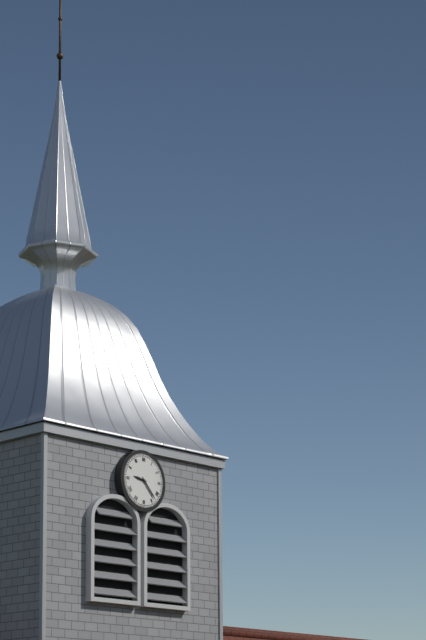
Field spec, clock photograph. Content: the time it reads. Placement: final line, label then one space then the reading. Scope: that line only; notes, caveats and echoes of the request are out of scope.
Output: 9:23
